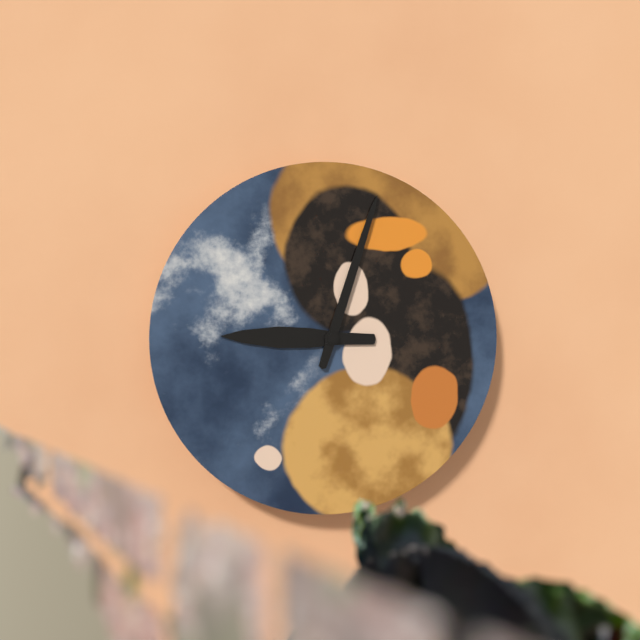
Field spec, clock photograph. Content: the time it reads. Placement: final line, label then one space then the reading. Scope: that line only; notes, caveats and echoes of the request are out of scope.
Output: 9:03
